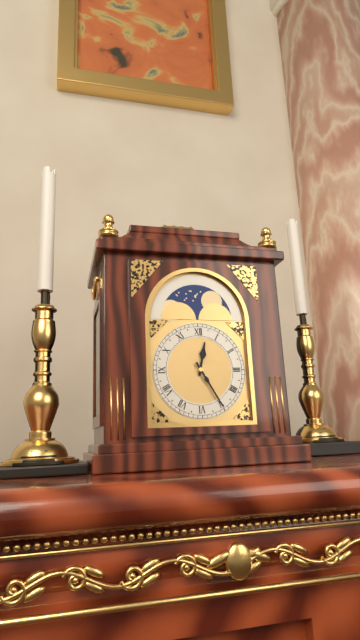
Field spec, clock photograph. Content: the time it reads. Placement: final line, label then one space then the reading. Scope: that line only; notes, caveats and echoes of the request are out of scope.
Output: 12:25
